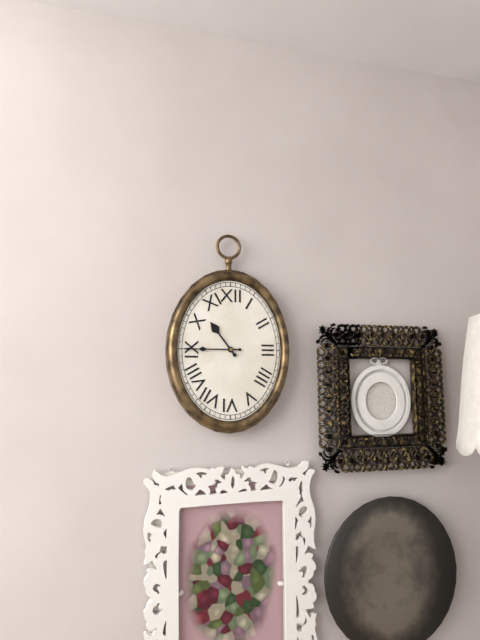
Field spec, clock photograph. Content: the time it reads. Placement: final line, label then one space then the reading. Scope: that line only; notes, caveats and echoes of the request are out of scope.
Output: 10:45
